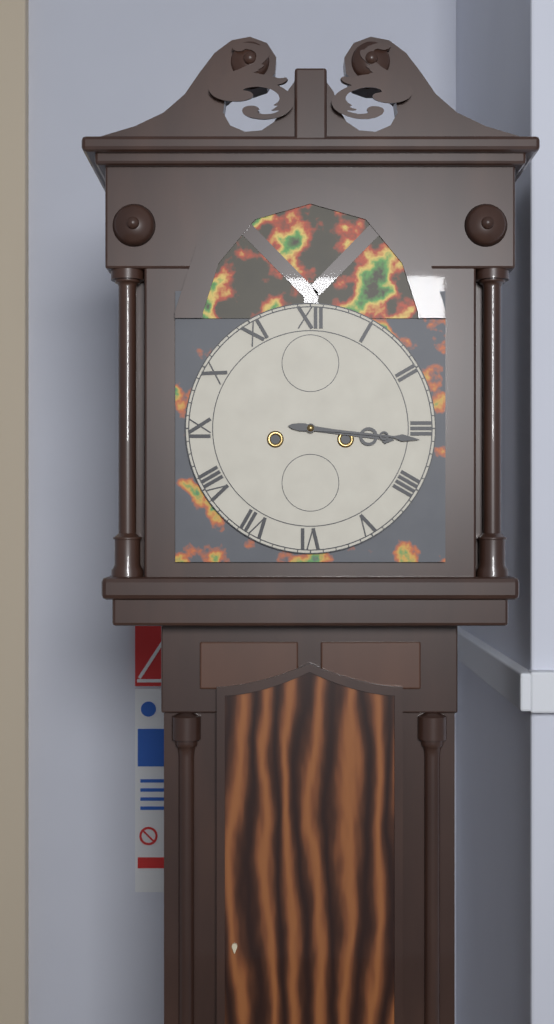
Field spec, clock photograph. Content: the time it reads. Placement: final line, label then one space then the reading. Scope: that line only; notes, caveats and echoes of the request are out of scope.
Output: 3:16
